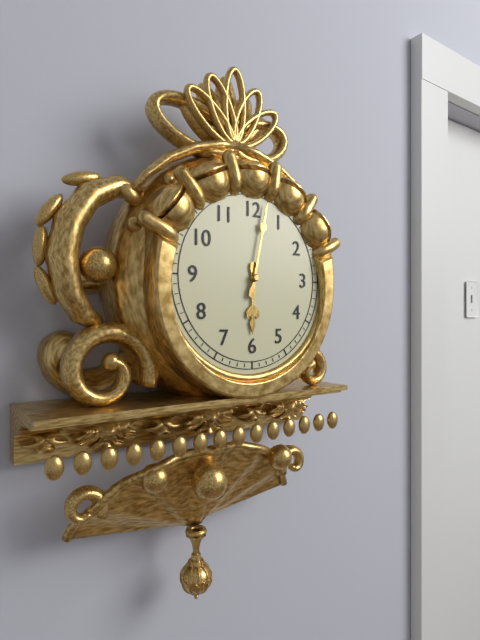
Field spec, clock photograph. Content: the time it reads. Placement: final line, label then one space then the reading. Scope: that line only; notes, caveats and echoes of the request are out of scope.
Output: 6:02
